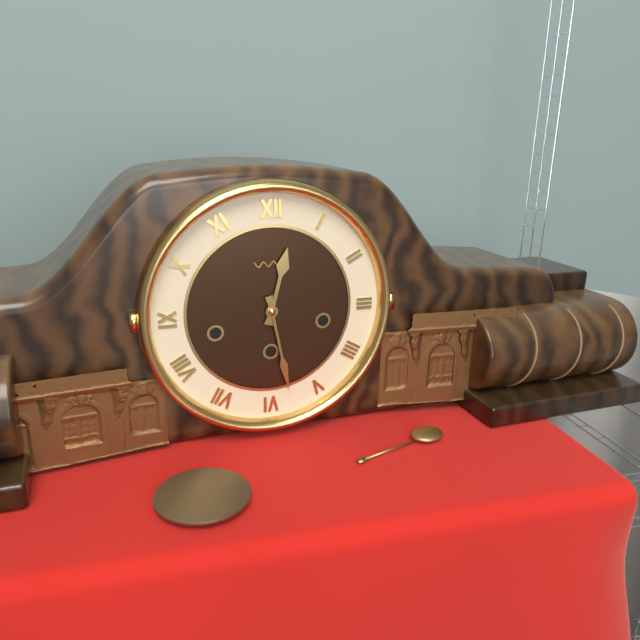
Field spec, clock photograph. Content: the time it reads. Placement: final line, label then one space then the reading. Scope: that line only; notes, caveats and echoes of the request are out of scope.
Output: 12:28
